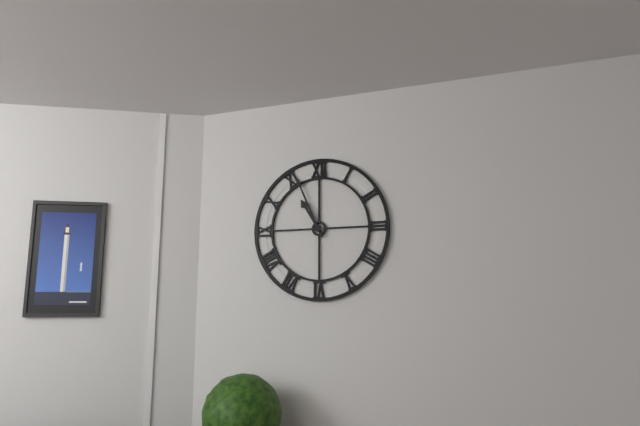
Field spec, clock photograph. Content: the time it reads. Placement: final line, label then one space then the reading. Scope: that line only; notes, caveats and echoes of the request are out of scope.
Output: 10:56
